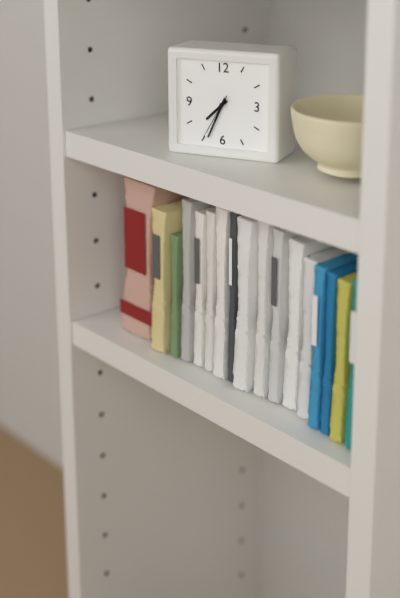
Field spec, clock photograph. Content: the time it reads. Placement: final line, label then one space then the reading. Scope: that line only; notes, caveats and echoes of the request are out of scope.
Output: 7:34
